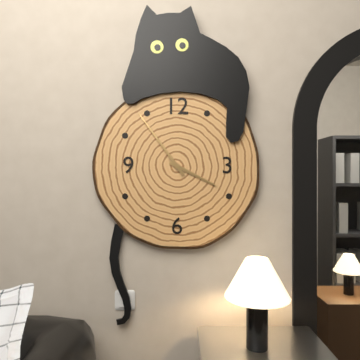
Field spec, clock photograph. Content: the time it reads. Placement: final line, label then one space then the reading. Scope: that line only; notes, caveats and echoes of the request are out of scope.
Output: 3:54
